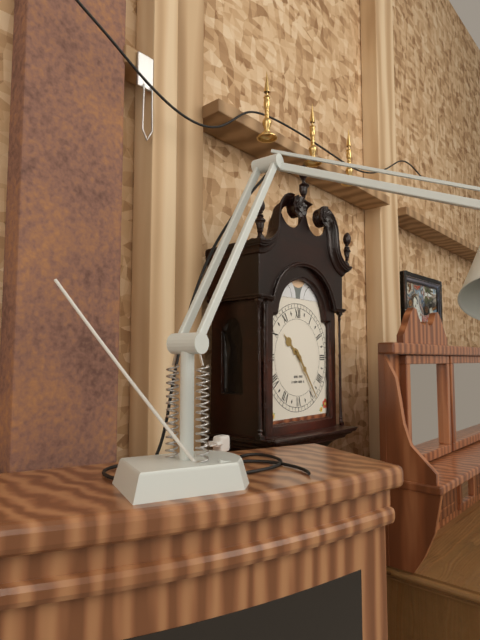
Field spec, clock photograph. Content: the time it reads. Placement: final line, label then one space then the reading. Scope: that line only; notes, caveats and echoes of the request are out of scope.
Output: 10:24
